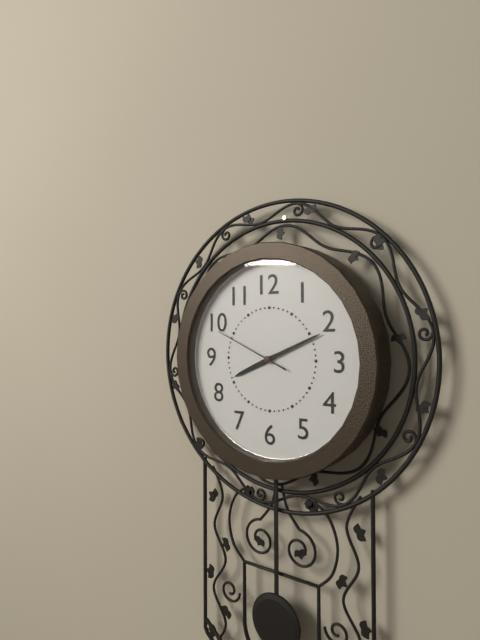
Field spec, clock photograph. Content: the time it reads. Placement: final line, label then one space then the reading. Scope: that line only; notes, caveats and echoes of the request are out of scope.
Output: 8:11:49
